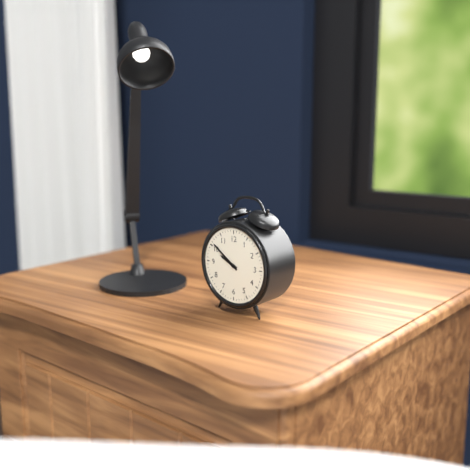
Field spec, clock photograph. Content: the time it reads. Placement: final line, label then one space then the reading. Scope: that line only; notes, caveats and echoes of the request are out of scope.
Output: 9:51
